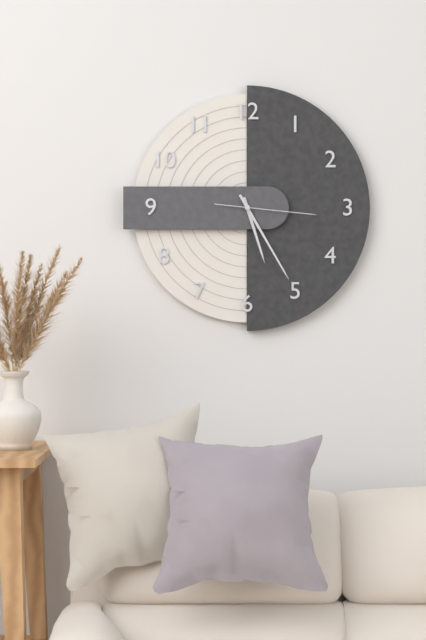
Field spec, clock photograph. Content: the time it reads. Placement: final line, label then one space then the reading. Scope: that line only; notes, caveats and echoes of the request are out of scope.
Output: 5:25:16
